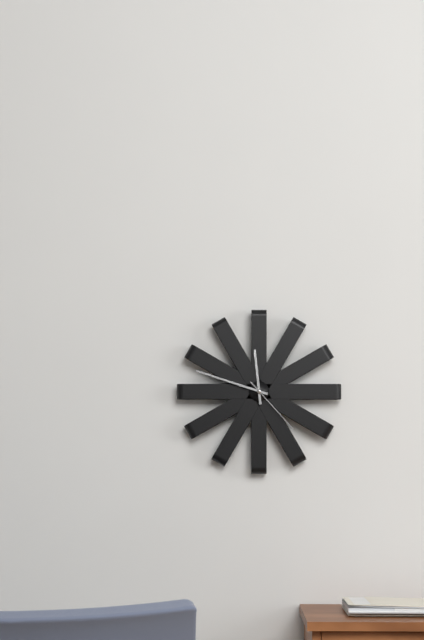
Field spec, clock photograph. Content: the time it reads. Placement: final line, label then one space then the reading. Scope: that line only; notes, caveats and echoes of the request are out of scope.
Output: 11:48:23
